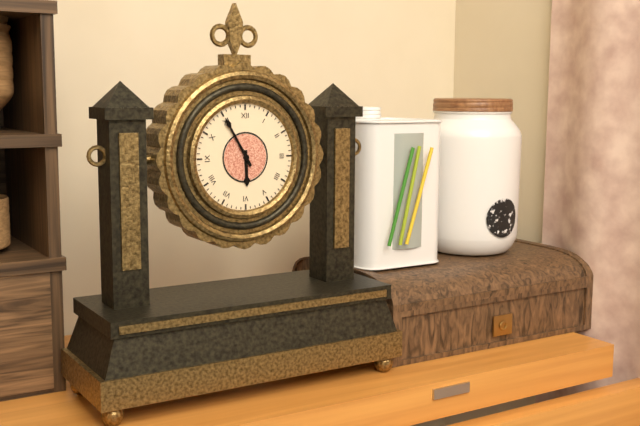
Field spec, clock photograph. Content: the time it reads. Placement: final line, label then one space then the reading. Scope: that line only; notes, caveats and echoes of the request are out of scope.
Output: 5:55
